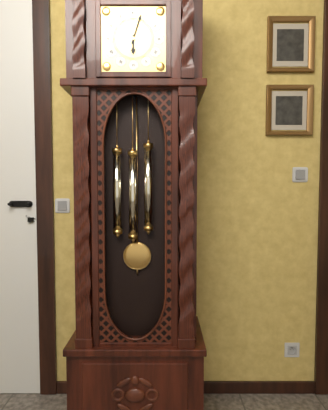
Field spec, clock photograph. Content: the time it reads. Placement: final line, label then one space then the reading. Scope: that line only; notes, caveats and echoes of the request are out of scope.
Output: 6:03
